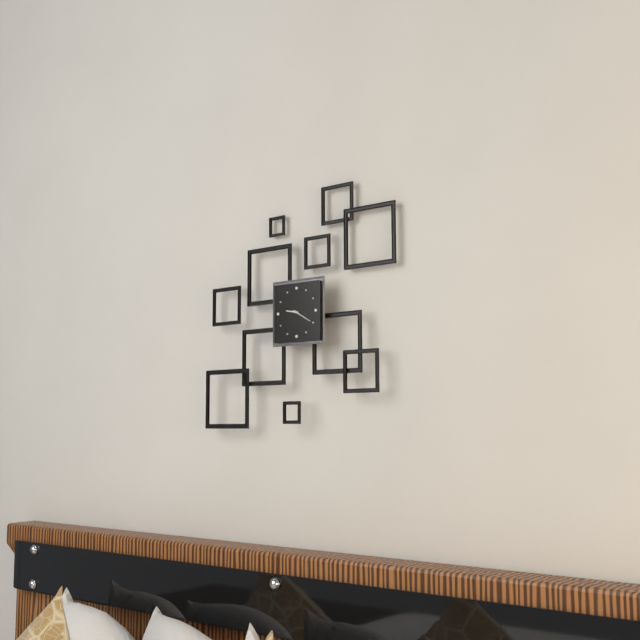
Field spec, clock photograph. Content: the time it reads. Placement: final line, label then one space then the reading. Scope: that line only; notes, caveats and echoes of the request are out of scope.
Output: 9:20
